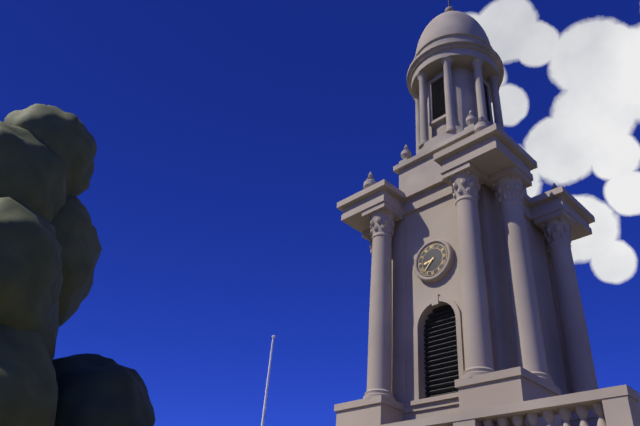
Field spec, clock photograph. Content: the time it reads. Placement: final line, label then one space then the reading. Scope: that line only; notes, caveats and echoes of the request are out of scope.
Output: 8:37
